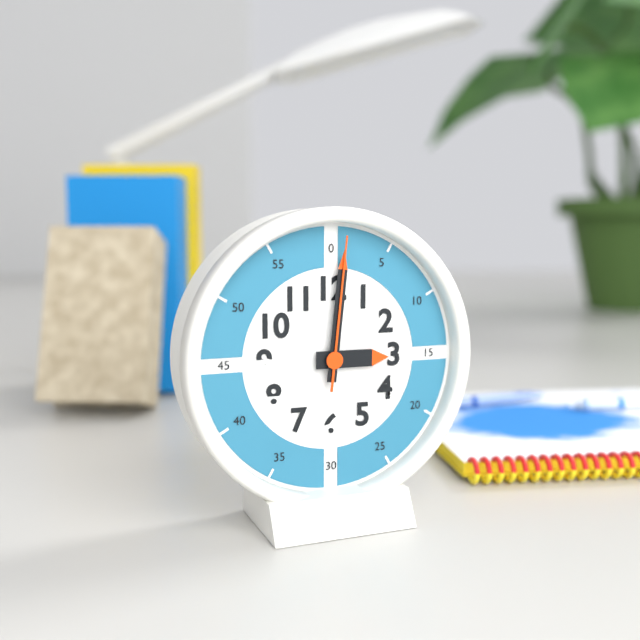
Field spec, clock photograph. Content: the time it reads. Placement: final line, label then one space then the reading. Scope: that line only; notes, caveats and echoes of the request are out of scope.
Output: 3:01:01
